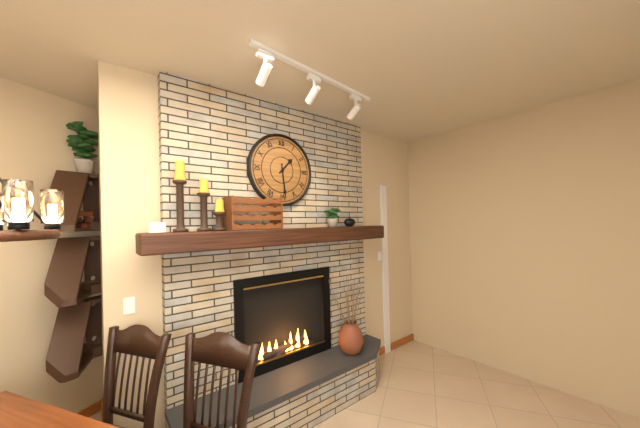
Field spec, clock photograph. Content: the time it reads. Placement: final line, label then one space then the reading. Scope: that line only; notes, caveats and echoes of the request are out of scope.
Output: 1:29
